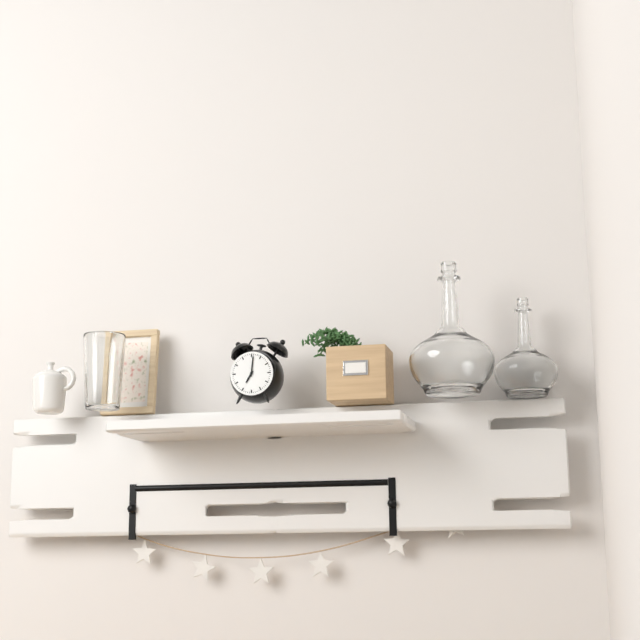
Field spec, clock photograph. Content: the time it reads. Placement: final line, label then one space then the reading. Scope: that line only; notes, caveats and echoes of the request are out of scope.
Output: 7:01
